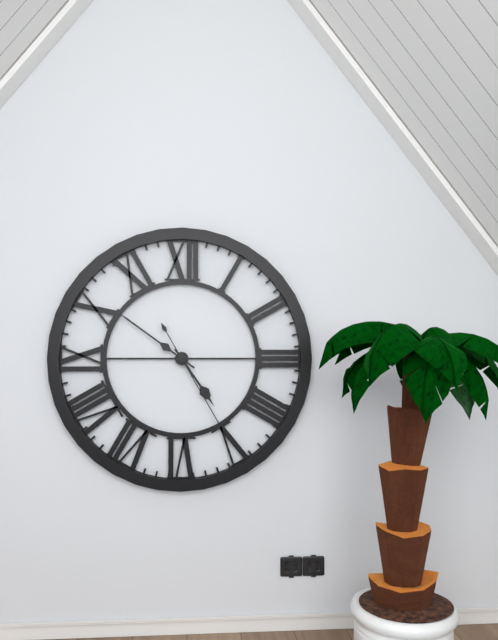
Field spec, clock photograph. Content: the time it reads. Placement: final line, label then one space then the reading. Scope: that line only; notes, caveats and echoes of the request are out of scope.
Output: 4:51:25
